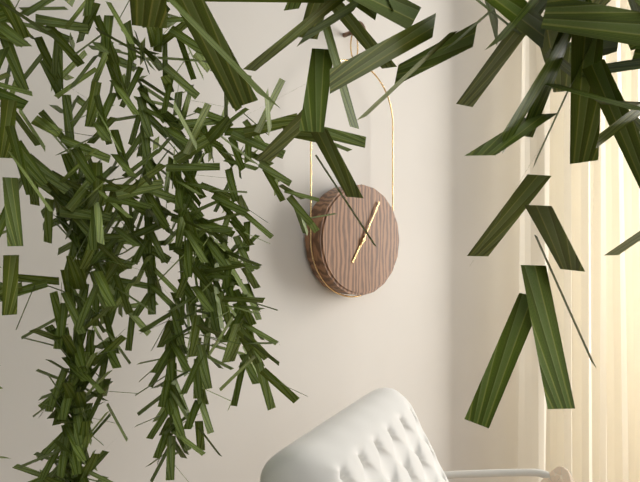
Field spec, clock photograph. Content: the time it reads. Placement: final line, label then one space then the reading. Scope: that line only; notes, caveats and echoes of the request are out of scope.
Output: 7:05
